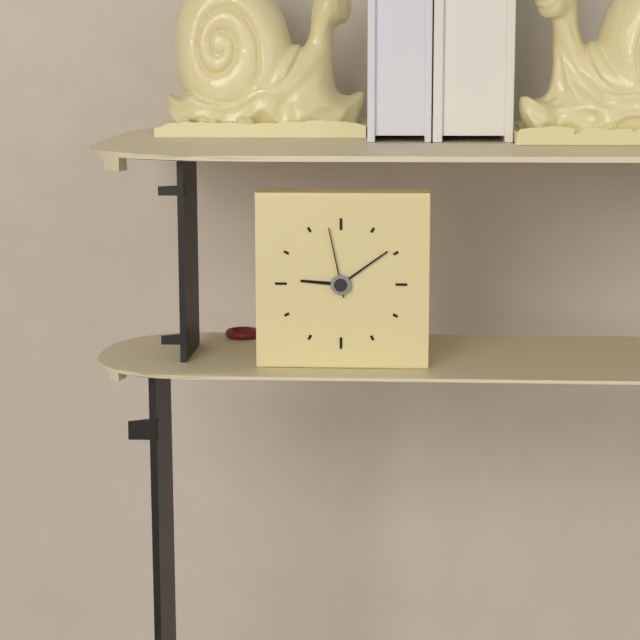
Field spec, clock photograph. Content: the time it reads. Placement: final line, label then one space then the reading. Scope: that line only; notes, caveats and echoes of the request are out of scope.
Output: 9:09:58
